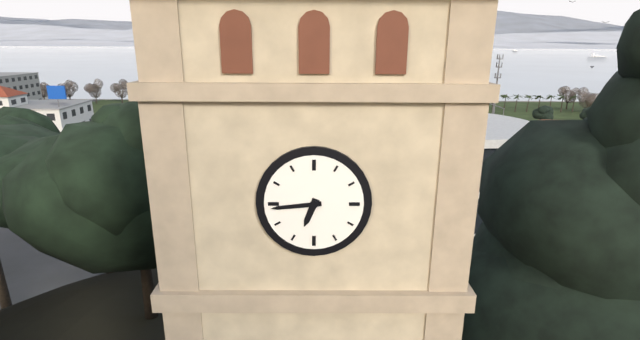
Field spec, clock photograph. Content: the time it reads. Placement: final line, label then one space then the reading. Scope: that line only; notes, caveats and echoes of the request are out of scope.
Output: 6:44
